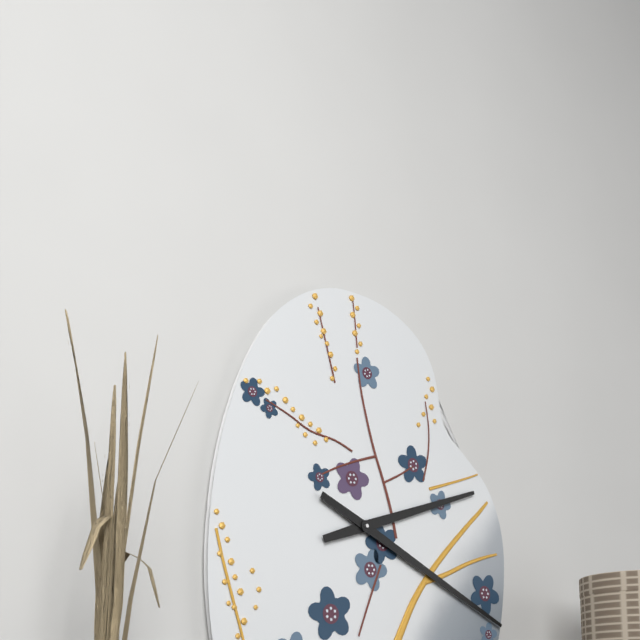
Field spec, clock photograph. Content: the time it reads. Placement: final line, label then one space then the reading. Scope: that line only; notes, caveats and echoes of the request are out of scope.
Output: 2:19
